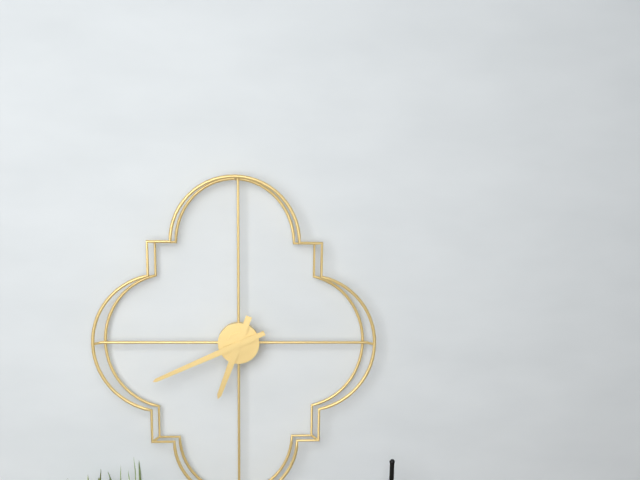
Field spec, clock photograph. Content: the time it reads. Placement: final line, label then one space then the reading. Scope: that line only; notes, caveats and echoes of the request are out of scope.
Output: 6:41
